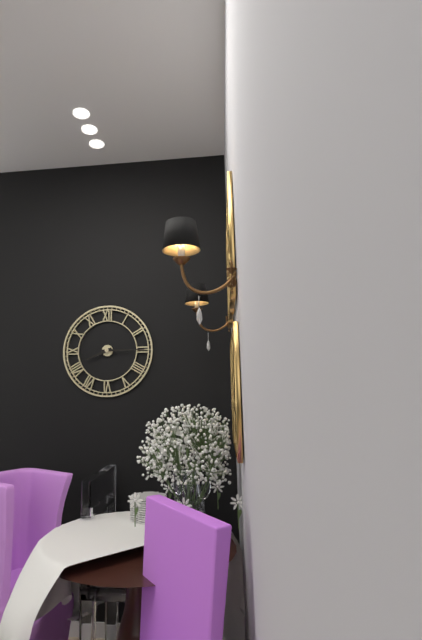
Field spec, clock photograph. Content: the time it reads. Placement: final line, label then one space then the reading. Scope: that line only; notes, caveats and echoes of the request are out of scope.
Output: 8:15
